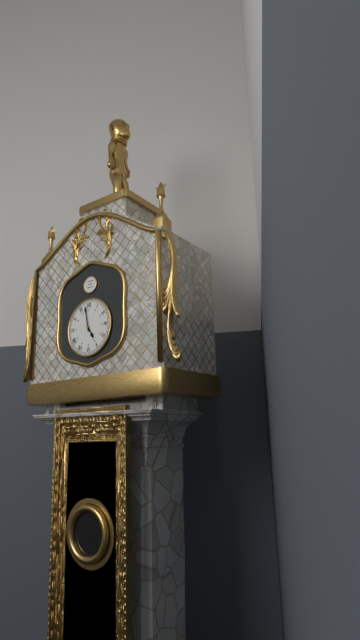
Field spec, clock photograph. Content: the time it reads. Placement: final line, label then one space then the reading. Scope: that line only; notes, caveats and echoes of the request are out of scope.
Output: 4:58
